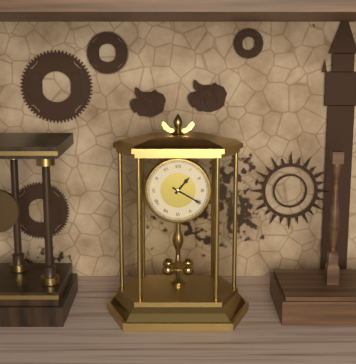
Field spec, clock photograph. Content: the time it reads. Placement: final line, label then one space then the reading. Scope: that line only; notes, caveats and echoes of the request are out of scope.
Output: 1:20
